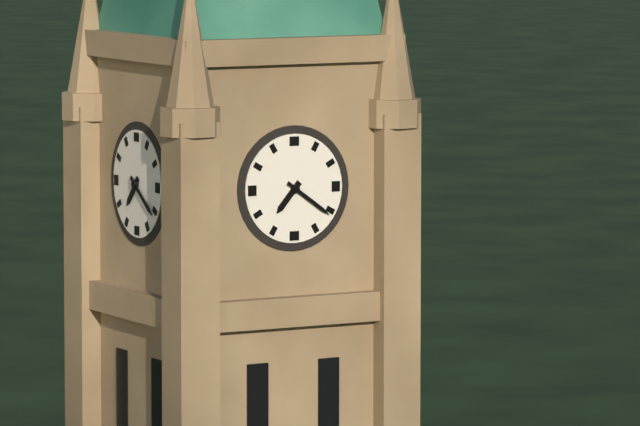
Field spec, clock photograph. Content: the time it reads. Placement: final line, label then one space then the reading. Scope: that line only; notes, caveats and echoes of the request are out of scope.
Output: 7:21
